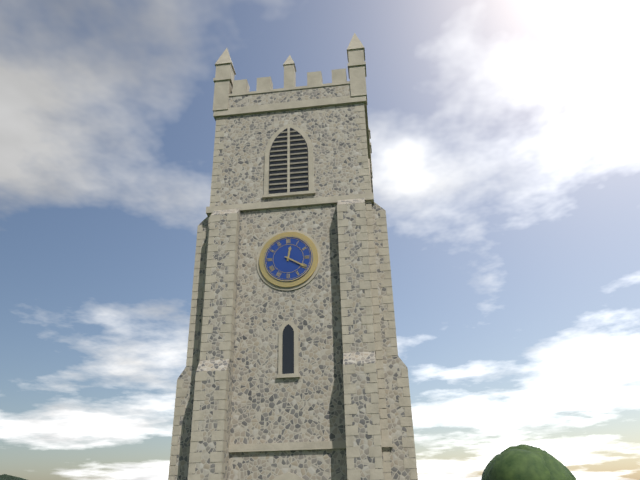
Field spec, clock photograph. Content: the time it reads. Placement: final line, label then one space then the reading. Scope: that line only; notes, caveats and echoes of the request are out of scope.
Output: 12:20
